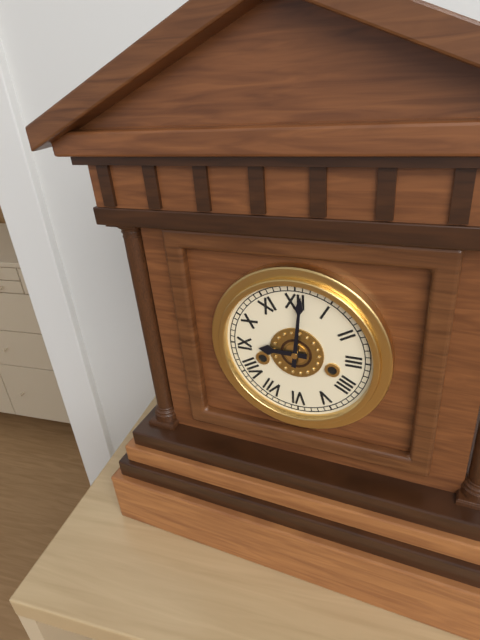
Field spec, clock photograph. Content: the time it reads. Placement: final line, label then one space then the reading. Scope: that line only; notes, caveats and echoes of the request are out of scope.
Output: 9:01
